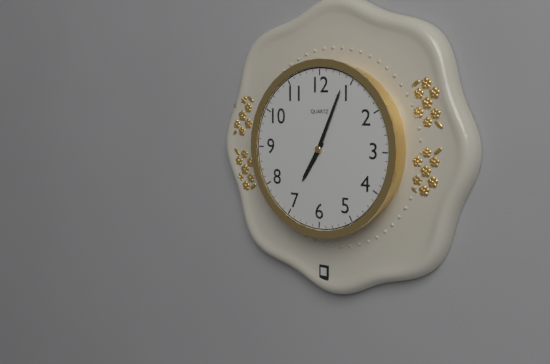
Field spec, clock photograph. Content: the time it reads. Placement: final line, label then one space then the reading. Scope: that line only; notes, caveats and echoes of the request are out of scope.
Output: 7:04
